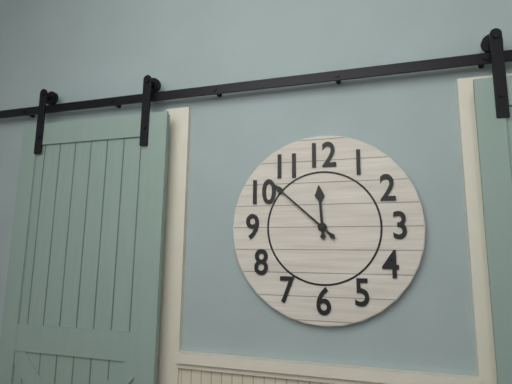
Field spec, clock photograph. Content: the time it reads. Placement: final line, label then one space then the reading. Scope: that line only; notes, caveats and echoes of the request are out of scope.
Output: 11:52
